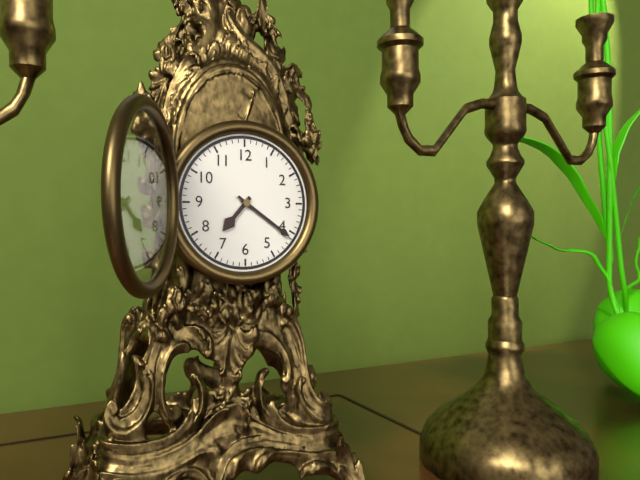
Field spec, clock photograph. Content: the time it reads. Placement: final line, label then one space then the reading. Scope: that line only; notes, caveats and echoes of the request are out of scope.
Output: 7:21
